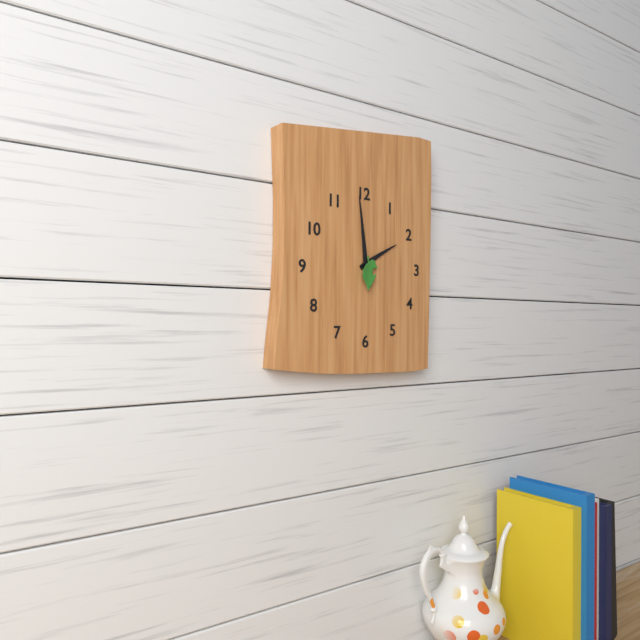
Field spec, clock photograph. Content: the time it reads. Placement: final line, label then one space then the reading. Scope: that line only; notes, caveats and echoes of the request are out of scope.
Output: 1:59
